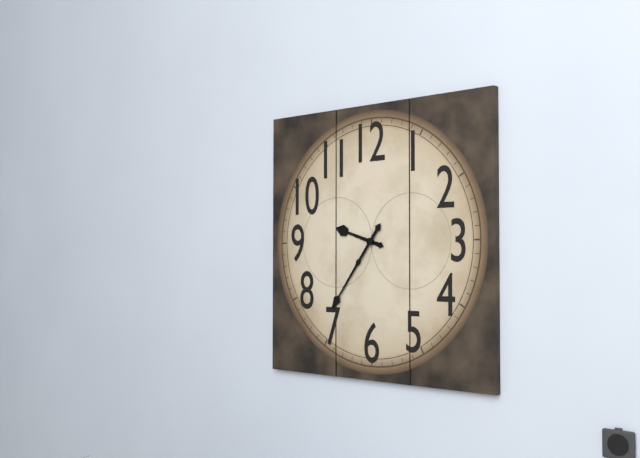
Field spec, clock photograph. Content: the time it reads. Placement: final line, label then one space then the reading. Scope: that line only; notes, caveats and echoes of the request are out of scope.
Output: 9:36
